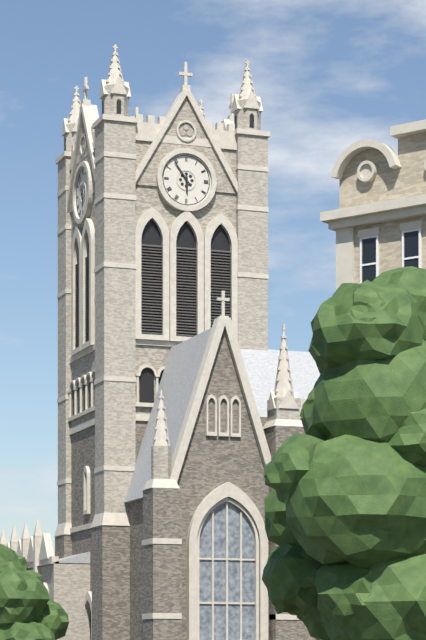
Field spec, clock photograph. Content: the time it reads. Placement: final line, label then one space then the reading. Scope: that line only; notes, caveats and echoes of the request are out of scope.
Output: 5:54
